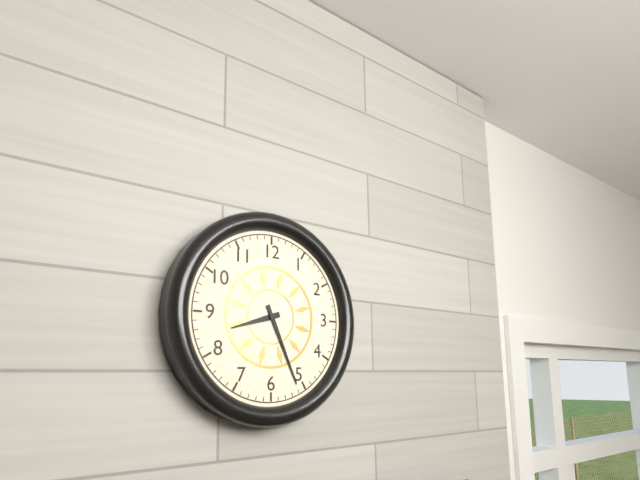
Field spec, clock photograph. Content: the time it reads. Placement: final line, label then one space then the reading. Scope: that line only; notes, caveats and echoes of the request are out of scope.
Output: 8:26
